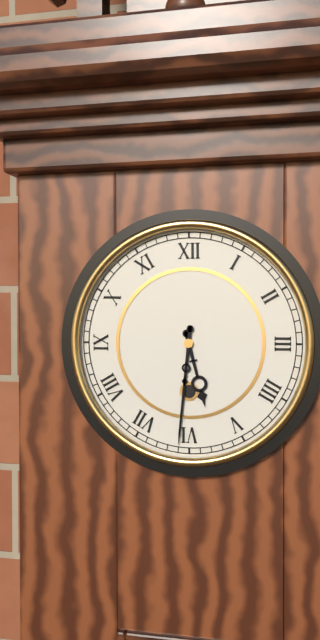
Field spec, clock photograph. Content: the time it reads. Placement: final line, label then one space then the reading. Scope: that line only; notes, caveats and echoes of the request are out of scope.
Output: 5:31
